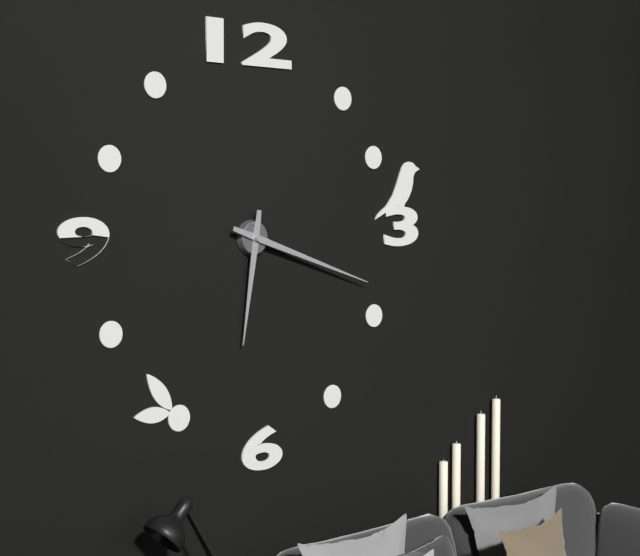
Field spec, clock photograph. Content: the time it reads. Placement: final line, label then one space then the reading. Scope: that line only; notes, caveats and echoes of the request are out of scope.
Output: 6:18
